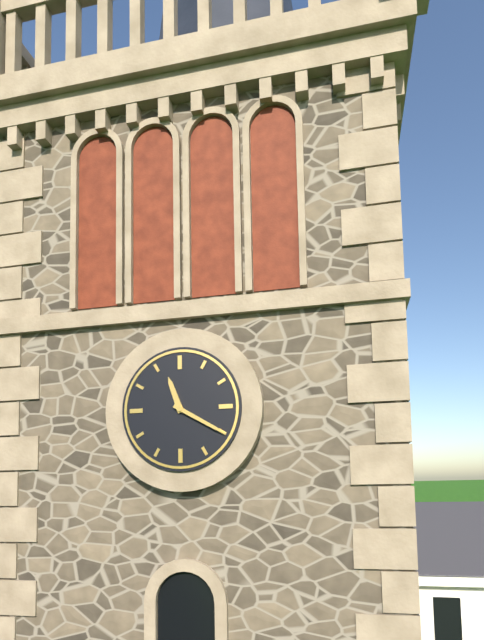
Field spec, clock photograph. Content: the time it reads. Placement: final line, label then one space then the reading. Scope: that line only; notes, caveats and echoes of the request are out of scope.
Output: 11:20
